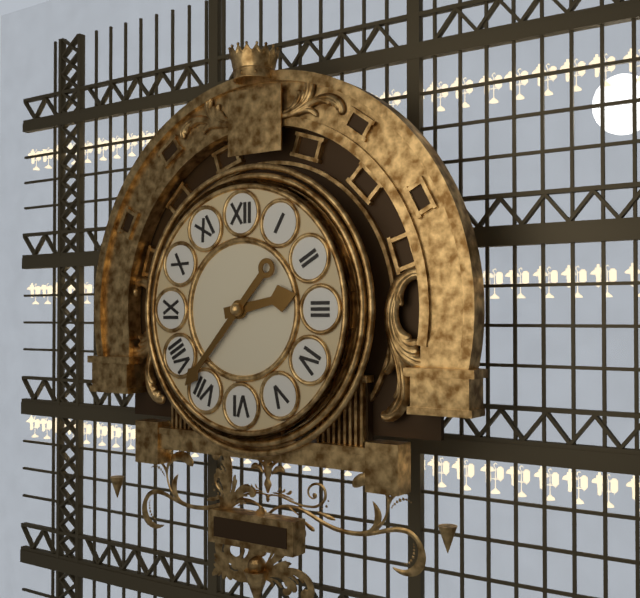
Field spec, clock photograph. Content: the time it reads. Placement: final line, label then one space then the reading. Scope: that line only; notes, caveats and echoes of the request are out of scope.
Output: 2:37
